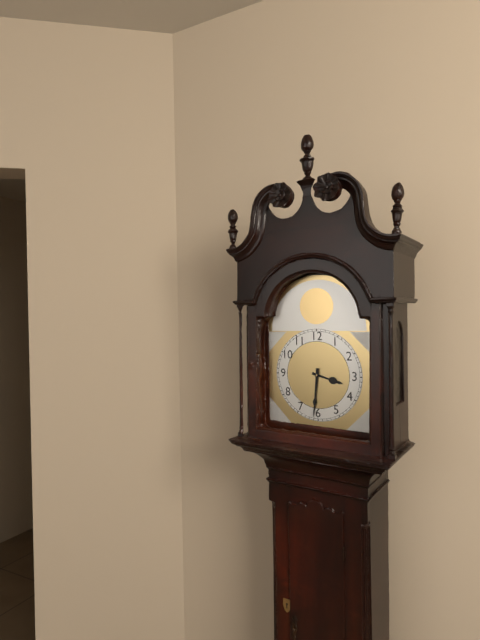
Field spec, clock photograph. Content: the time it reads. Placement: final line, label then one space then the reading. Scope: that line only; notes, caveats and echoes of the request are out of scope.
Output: 3:31
